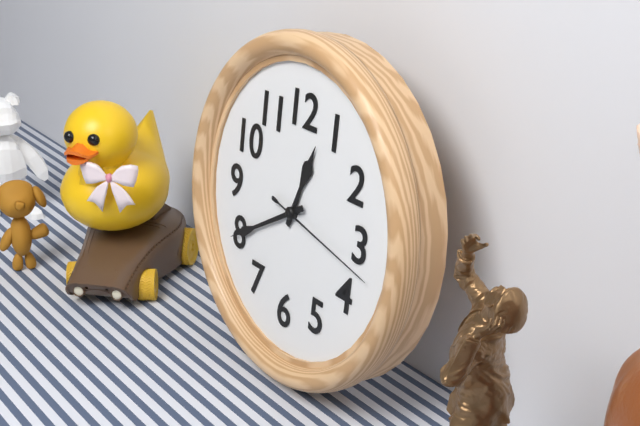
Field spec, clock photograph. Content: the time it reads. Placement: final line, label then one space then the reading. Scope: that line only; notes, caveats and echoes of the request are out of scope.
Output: 12:40:17
